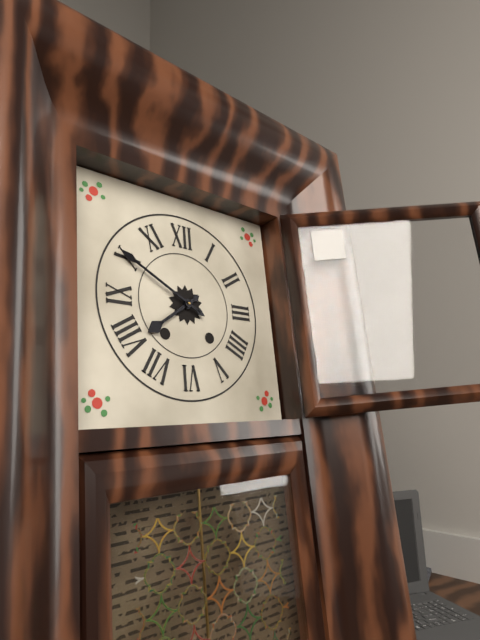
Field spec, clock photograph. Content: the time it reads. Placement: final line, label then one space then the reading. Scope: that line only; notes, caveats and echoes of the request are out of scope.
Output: 7:50
